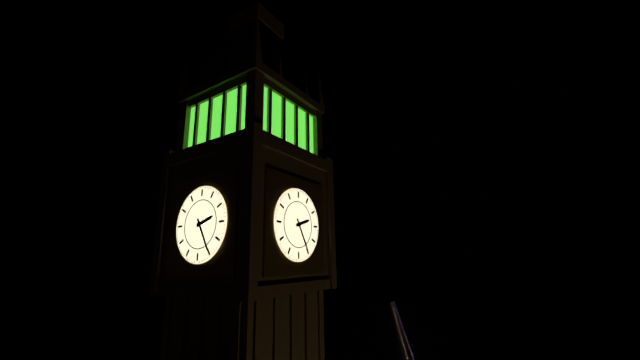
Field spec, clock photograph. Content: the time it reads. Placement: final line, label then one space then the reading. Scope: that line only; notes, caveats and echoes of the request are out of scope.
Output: 2:25
